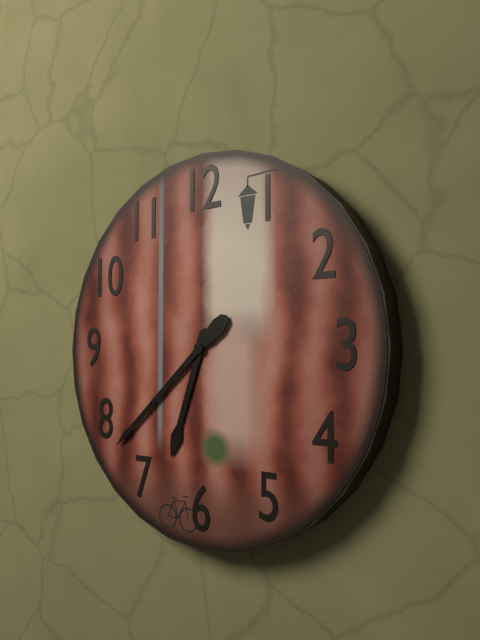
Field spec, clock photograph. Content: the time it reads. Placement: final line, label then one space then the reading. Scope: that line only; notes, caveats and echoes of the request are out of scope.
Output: 6:38
